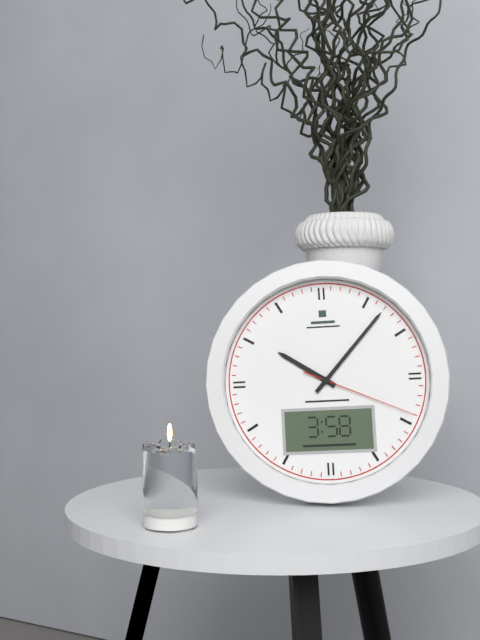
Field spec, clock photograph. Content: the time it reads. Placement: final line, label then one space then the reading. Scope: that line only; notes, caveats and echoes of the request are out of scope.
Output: 10:07:19
